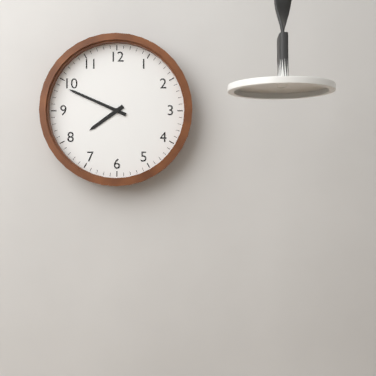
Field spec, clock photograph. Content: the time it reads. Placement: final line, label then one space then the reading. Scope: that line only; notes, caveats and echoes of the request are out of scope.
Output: 7:49
